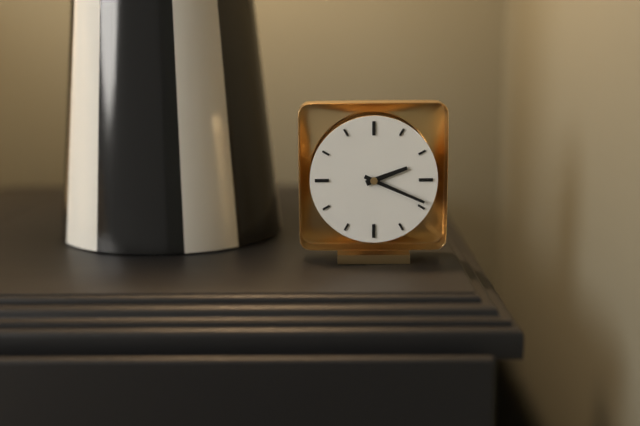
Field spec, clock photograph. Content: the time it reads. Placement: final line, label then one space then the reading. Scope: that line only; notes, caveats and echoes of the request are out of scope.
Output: 2:19
